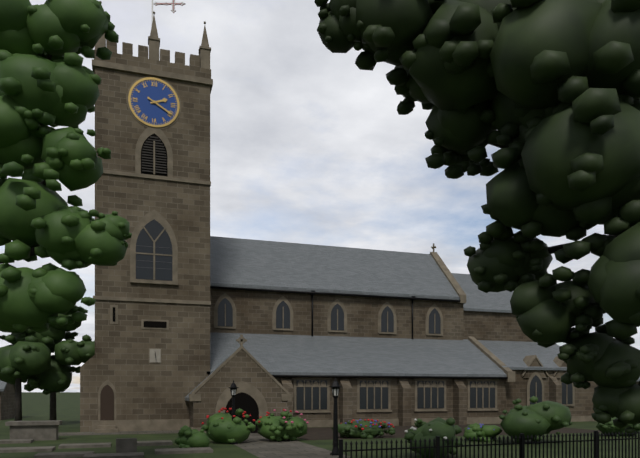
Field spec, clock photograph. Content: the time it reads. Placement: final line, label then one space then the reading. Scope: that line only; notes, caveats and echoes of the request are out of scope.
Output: 2:20
